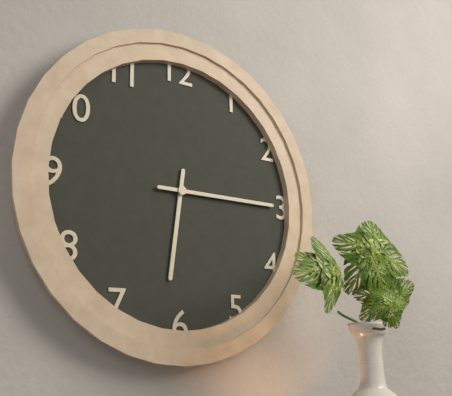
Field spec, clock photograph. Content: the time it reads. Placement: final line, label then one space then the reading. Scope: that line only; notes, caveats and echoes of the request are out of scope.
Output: 6:15
